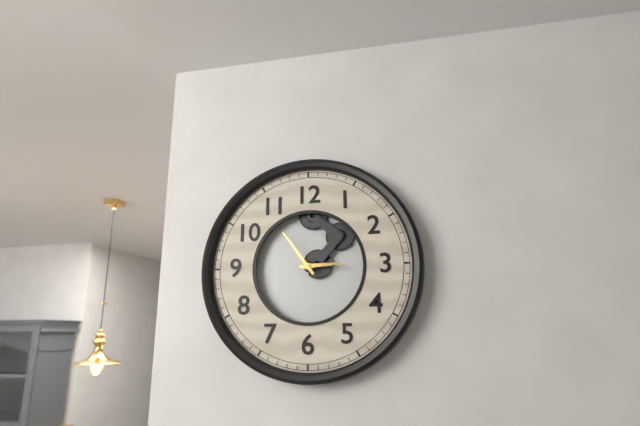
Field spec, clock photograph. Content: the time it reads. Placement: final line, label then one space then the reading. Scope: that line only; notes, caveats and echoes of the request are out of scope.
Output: 2:54
